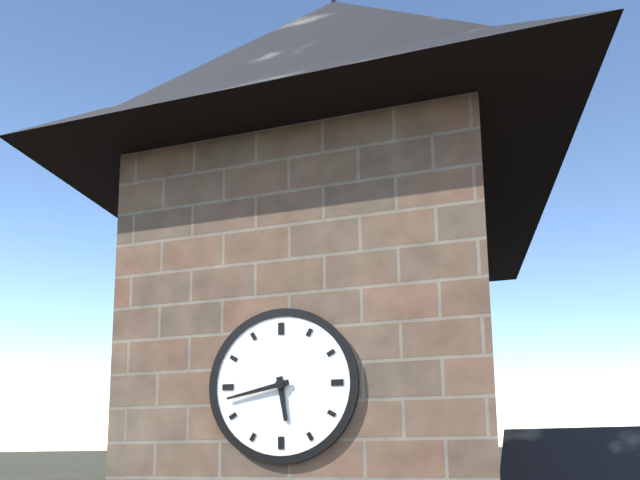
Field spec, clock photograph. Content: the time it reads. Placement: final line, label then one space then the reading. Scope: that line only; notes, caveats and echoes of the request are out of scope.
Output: 5:43
